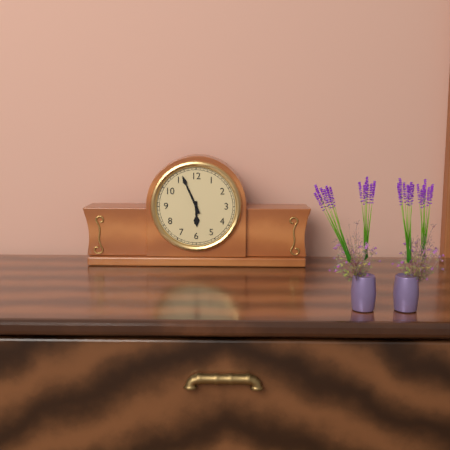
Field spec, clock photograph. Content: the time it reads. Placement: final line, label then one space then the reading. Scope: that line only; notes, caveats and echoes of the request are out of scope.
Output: 5:56
